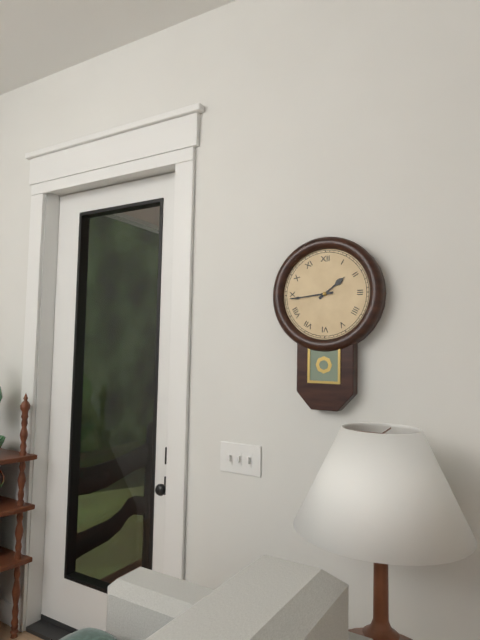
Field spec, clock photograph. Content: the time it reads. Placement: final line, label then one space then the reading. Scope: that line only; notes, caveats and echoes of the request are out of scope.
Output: 1:44
